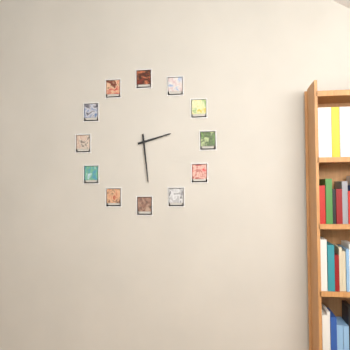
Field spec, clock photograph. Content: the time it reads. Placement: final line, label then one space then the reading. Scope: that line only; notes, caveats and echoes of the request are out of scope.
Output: 2:29
